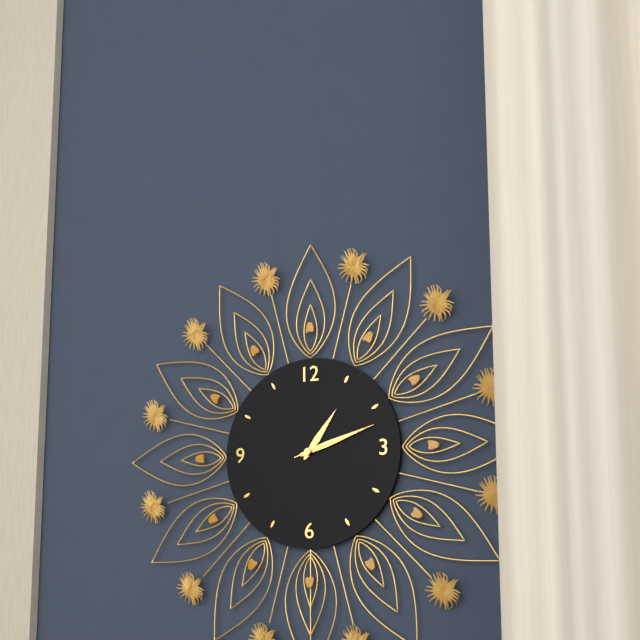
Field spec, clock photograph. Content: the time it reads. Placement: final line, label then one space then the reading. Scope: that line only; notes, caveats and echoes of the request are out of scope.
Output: 1:12:12
